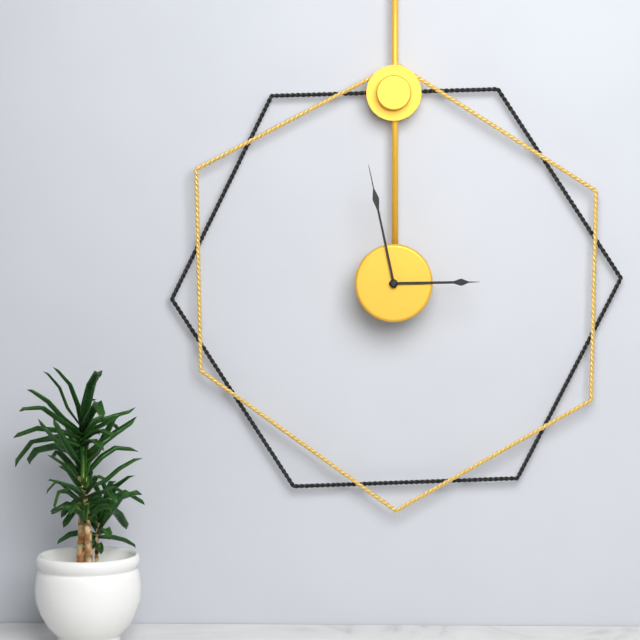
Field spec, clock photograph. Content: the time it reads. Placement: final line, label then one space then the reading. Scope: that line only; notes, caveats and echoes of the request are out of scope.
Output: 2:58
